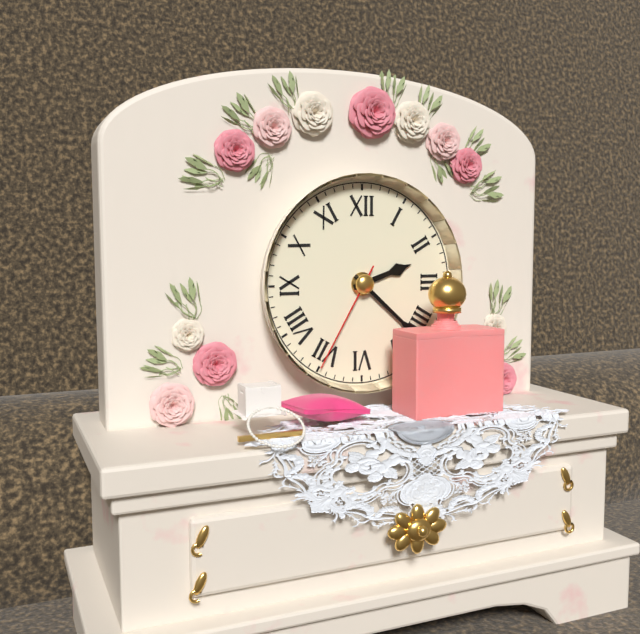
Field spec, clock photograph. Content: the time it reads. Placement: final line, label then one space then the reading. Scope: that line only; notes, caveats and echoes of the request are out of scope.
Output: 2:22:35
